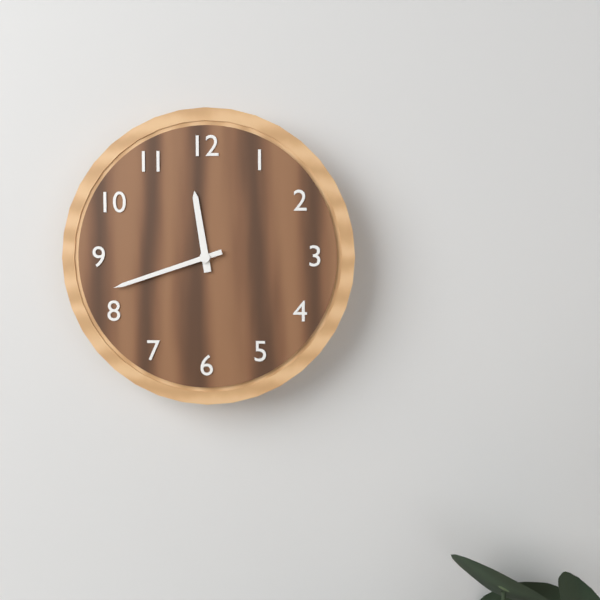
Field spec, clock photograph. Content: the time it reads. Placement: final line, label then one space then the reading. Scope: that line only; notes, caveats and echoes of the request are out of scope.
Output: 11:42
